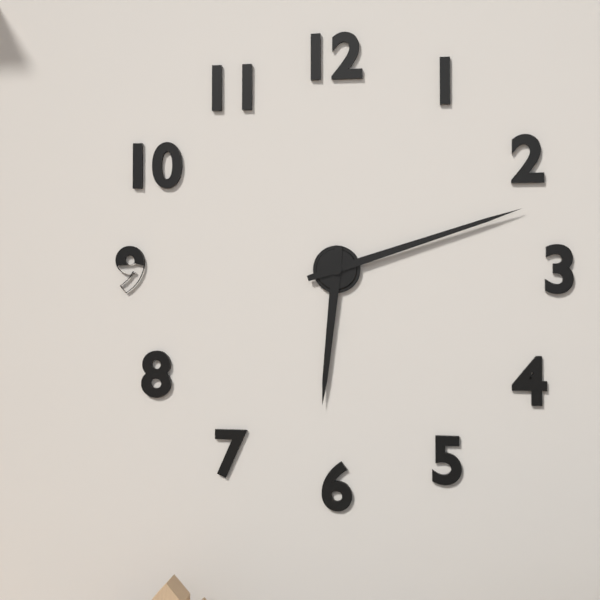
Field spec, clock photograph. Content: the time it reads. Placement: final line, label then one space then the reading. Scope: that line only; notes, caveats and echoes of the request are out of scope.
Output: 6:12
